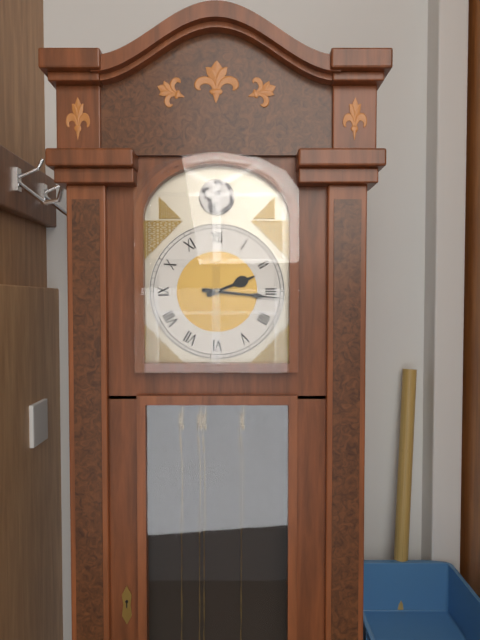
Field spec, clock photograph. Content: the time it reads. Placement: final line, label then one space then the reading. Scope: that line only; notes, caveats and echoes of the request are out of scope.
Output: 2:16
